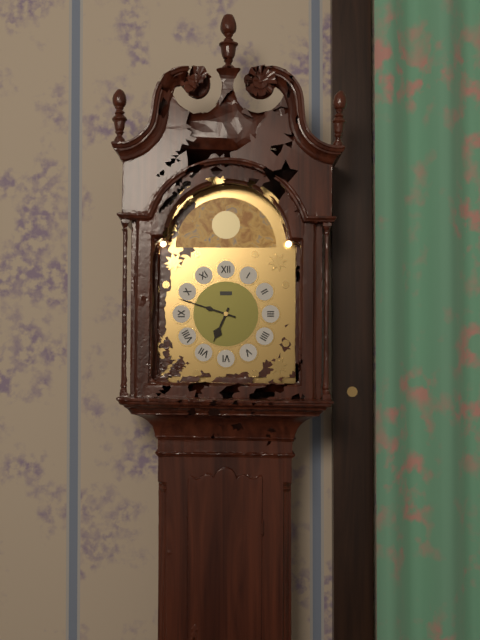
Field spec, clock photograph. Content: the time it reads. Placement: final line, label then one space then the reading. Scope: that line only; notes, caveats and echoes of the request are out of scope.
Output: 6:48
